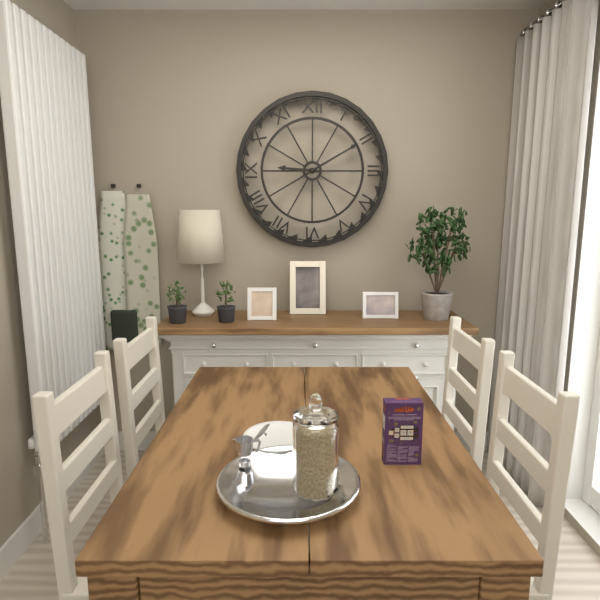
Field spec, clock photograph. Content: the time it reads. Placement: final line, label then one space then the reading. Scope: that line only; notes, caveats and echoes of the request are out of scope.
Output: 9:10
